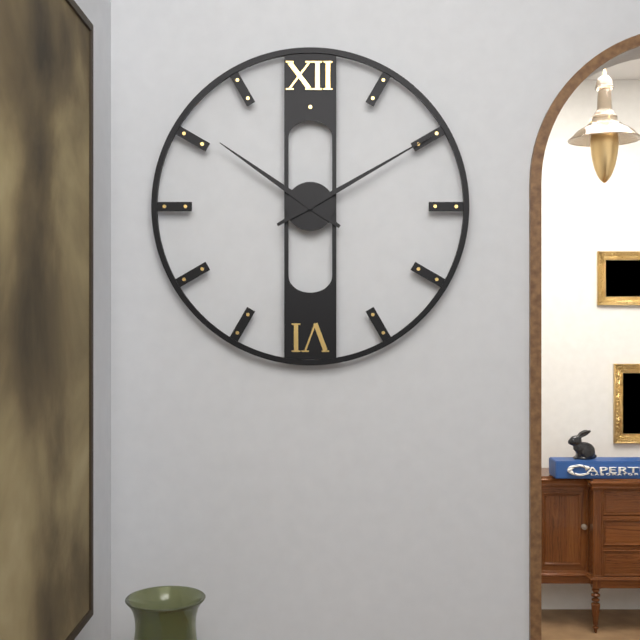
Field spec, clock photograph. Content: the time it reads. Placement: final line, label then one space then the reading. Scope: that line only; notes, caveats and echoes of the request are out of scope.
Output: 10:10
